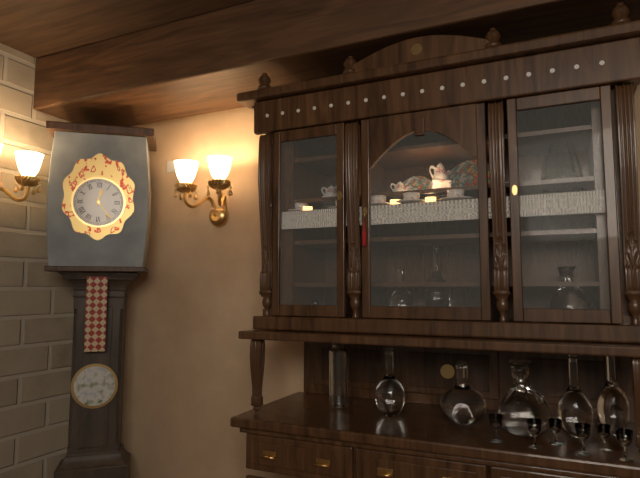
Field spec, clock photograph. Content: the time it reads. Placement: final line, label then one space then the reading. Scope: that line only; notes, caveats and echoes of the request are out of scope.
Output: 12:24
